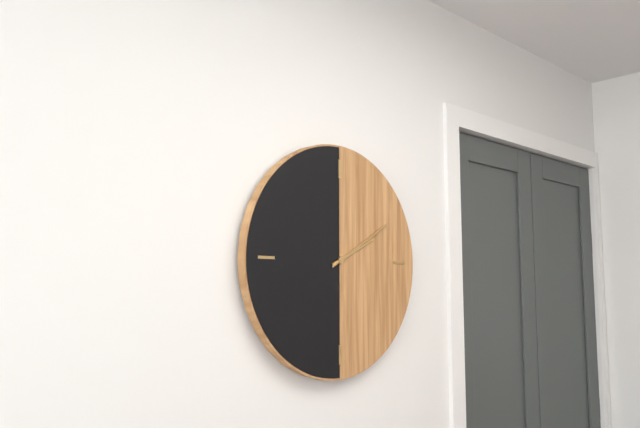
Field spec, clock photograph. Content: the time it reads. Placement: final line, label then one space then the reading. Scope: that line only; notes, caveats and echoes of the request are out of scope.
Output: 2:10
